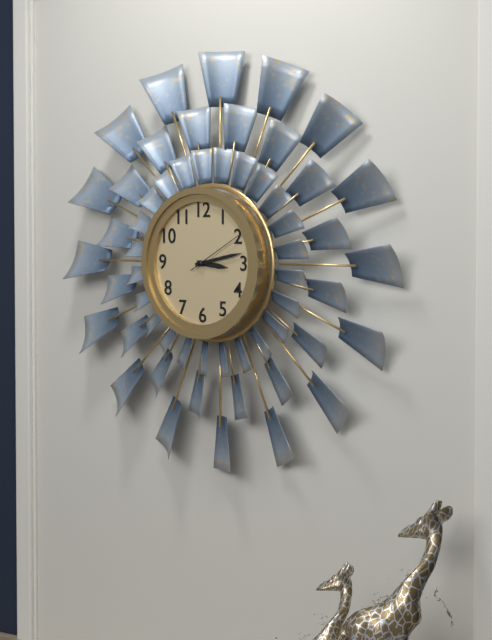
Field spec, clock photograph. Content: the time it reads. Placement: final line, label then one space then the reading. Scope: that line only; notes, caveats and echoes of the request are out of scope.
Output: 3:13:10
